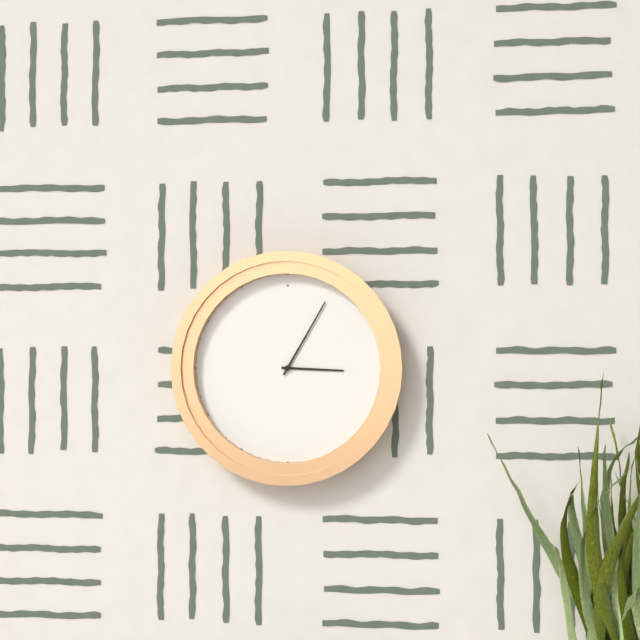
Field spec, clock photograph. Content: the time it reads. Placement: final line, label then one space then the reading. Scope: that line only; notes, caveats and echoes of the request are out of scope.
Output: 3:05
